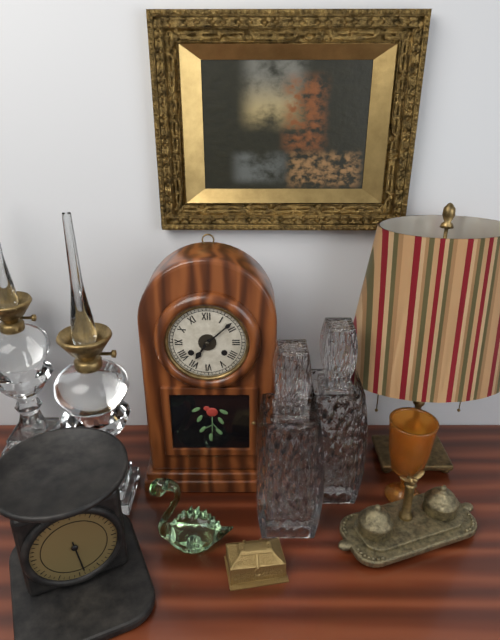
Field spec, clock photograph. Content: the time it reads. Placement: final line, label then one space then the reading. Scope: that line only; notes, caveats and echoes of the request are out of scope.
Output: 7:08
